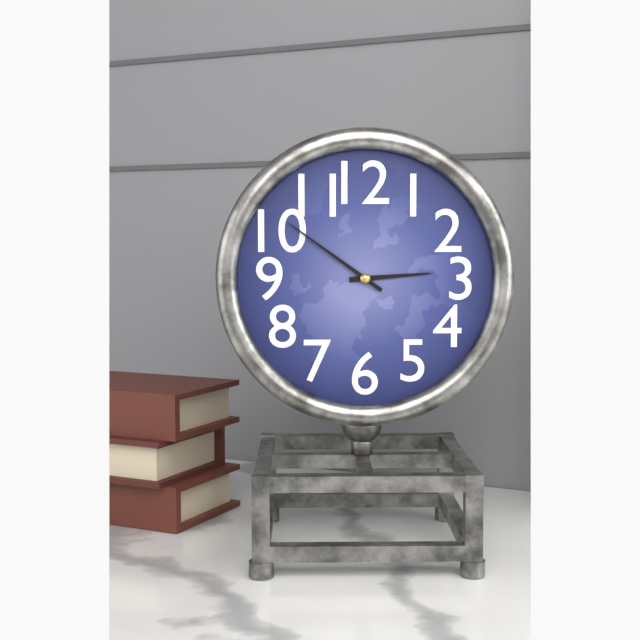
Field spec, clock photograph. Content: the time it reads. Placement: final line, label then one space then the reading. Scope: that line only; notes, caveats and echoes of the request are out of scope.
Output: 2:51
